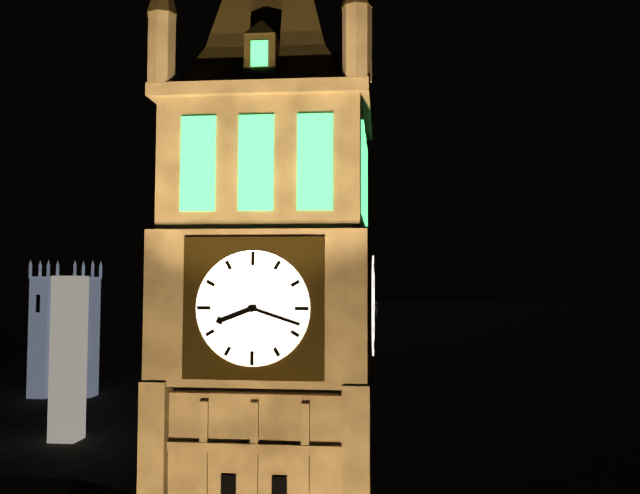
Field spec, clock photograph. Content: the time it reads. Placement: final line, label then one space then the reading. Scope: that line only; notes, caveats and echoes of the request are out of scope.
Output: 8:18
